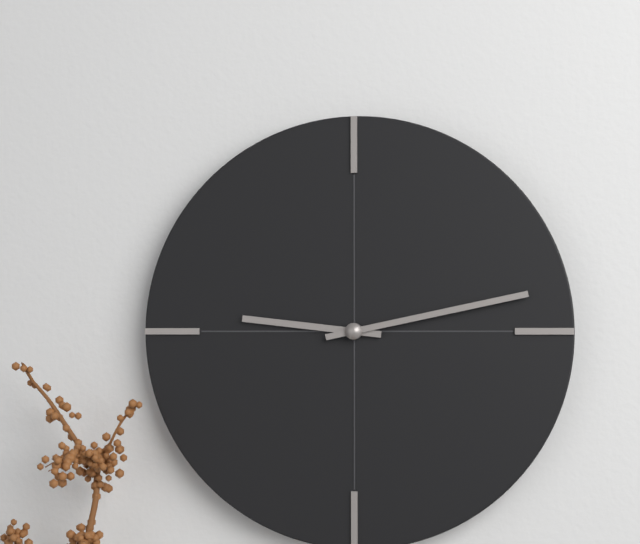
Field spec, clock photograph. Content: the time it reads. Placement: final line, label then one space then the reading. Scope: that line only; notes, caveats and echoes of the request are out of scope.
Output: 9:13
